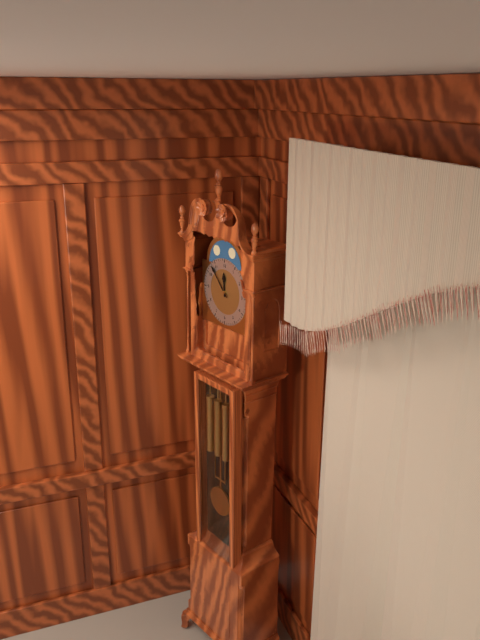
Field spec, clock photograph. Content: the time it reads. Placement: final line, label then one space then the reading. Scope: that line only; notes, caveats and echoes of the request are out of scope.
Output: 11:53
